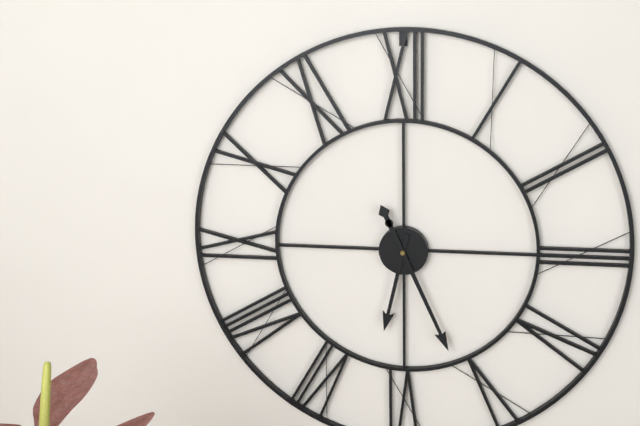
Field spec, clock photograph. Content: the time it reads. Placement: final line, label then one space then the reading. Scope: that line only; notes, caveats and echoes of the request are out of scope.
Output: 6:26
